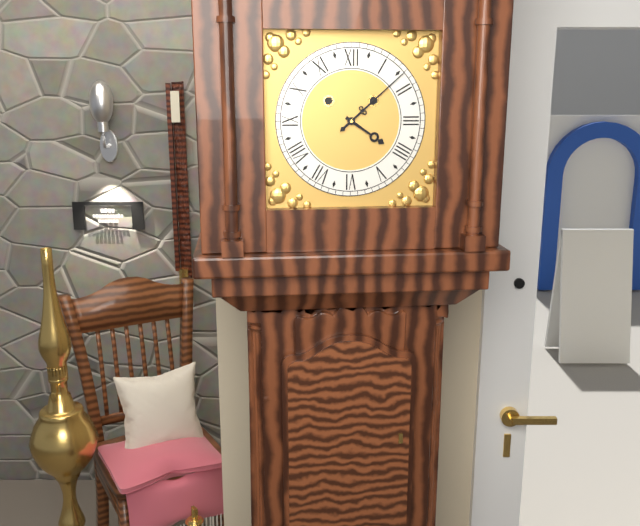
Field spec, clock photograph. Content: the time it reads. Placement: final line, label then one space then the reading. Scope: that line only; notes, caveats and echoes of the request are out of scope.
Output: 4:08
